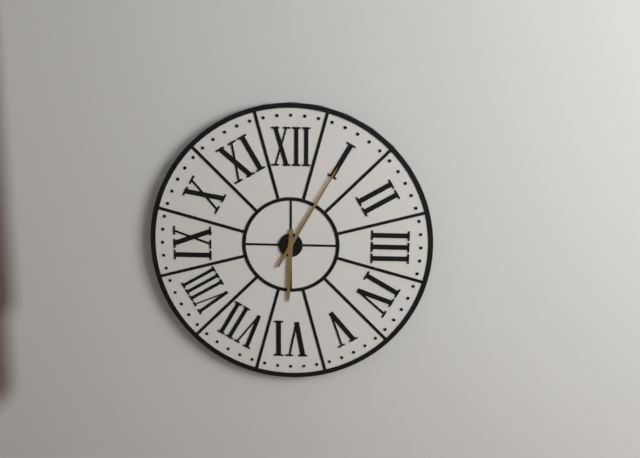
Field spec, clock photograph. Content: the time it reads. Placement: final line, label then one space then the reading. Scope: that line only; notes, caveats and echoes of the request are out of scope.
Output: 6:05
